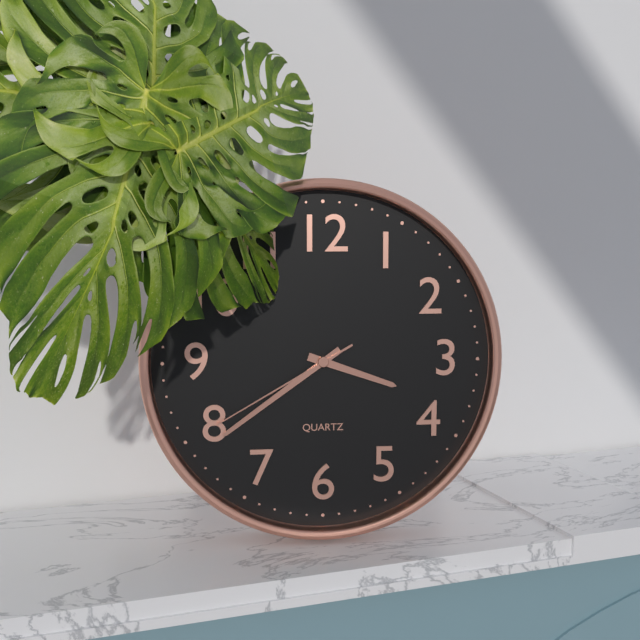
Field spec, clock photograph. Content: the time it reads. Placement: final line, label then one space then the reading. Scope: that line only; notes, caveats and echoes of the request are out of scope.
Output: 3:39:40
